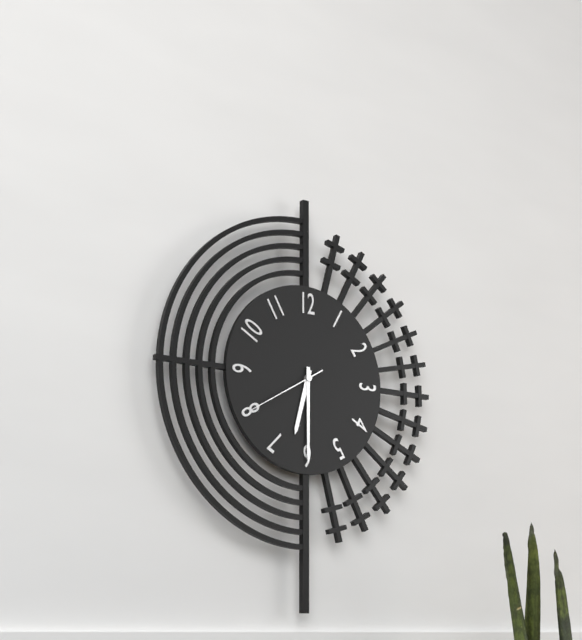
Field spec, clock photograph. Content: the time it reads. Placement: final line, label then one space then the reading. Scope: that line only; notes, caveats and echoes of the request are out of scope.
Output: 6:30:40
